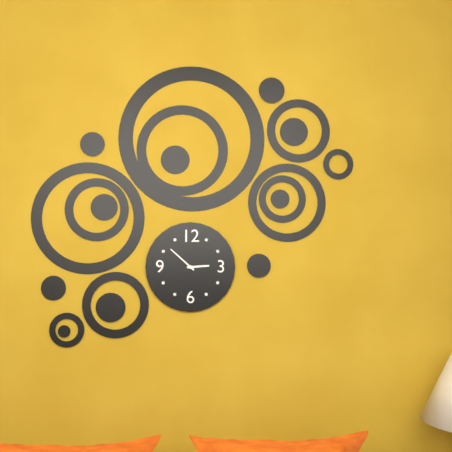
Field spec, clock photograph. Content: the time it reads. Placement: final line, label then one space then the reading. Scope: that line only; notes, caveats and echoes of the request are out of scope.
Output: 2:52
